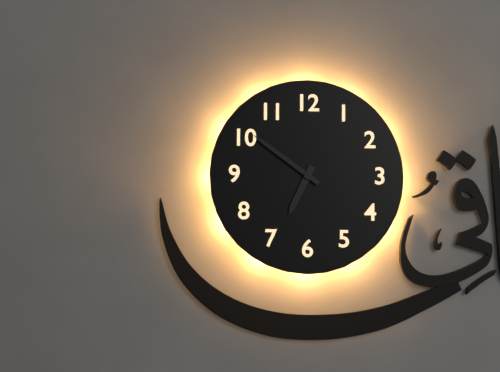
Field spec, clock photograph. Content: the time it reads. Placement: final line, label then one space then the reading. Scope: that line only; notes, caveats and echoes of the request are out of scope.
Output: 6:51
